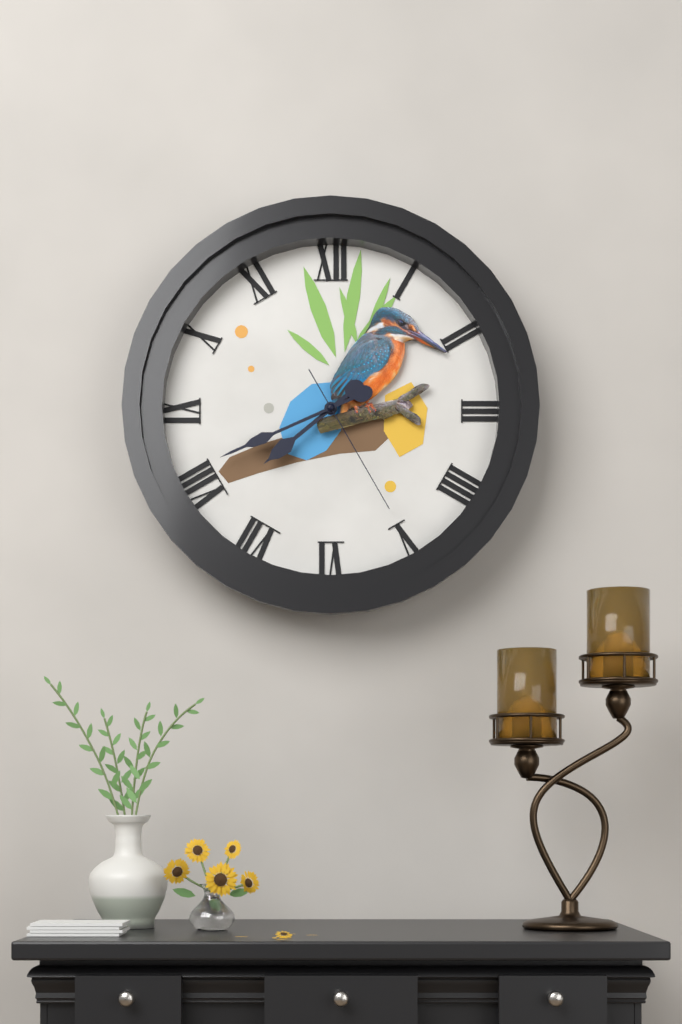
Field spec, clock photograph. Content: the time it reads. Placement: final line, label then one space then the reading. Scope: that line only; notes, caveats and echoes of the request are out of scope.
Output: 7:41:25
